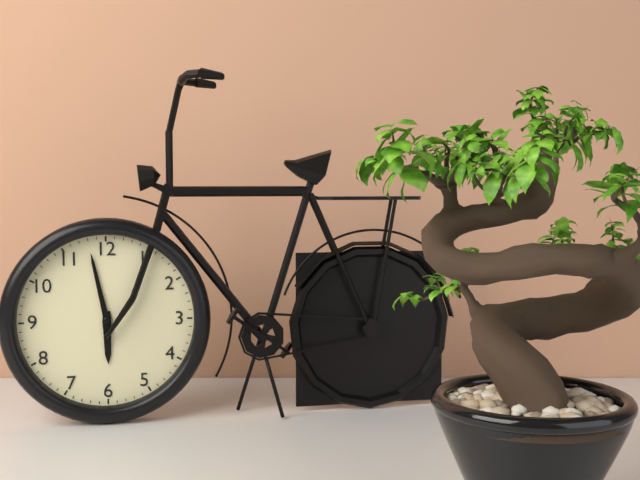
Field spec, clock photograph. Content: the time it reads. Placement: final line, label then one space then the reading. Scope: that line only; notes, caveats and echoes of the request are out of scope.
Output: 5:58
